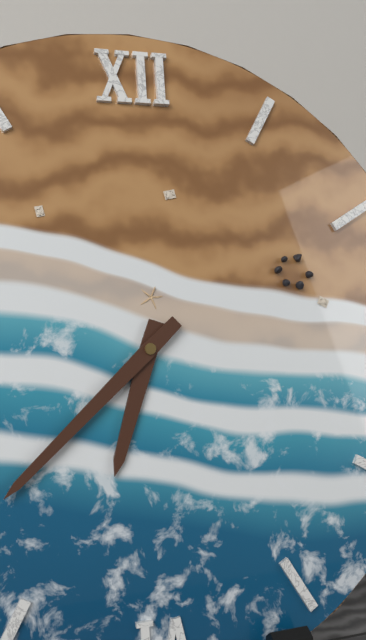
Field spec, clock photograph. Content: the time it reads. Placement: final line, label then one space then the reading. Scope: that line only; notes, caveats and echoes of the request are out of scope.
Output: 6:38
